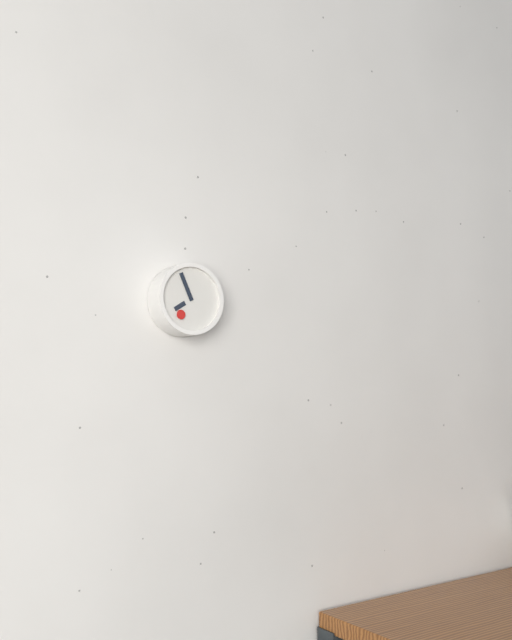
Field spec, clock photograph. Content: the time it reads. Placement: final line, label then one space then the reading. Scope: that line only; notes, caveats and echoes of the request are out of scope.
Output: 7:56
